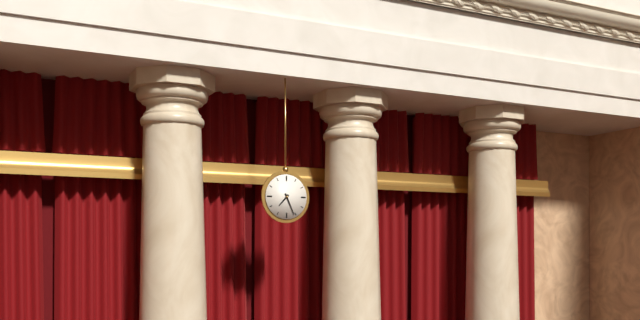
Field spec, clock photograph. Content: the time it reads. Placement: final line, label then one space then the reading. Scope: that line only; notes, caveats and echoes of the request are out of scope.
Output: 7:26
